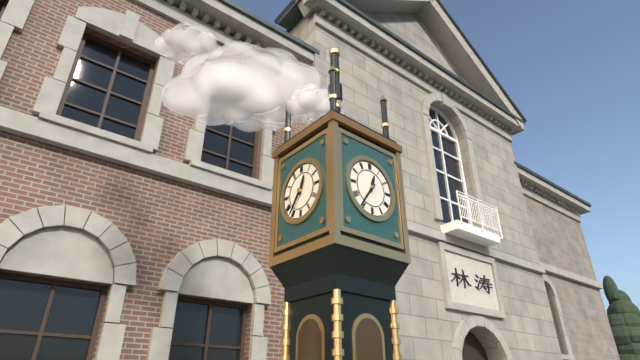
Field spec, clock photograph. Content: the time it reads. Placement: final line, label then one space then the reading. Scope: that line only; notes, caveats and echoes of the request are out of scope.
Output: 12:36
